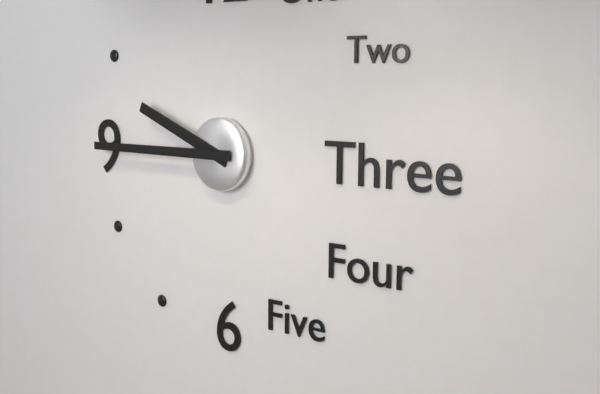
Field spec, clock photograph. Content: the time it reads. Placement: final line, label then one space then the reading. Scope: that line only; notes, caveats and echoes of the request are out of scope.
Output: 9:45
